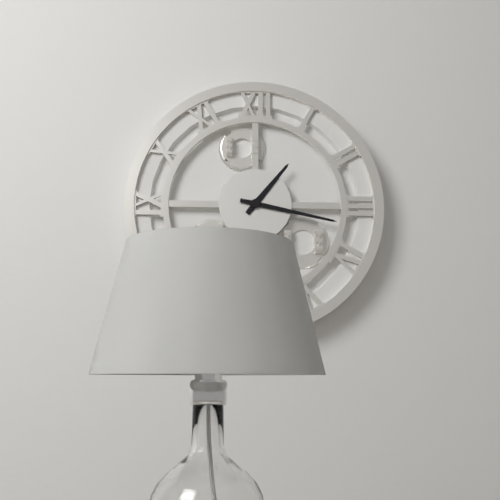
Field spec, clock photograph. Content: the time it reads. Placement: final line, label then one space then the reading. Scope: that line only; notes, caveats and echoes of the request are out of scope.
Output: 1:17
